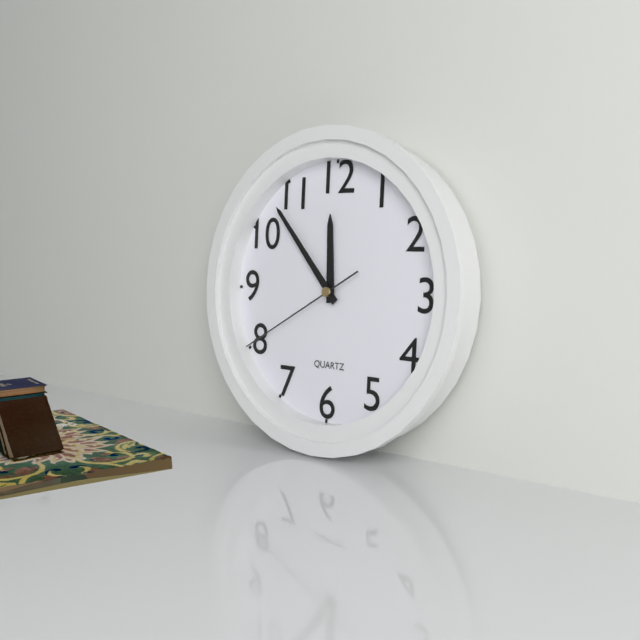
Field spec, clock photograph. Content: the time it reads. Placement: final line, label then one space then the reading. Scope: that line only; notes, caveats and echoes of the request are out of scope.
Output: 11:53:40
